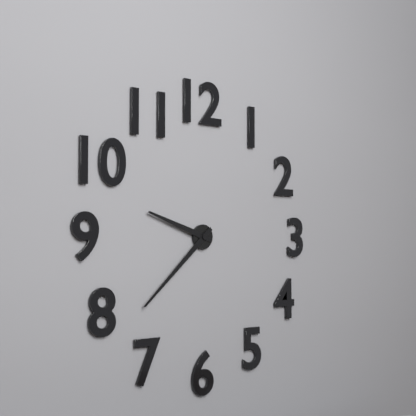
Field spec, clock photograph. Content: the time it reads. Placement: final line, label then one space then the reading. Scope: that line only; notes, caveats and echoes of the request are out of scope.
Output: 9:38
